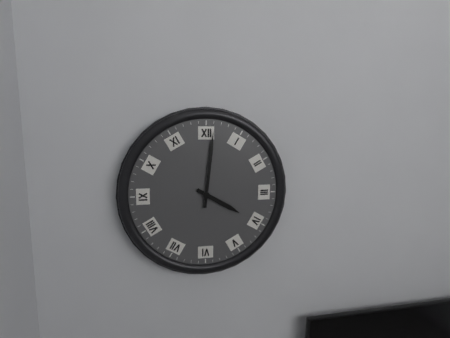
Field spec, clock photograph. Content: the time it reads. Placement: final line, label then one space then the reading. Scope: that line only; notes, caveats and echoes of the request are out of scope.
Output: 4:01
